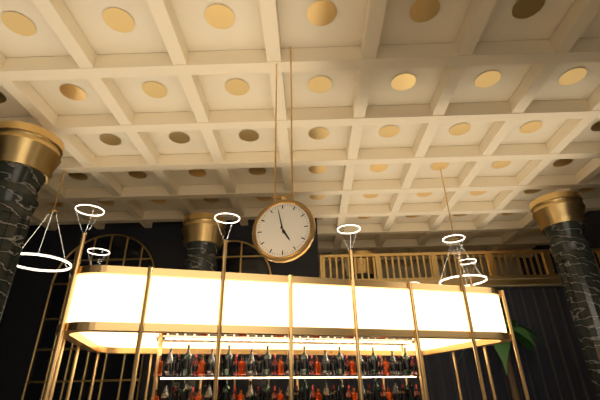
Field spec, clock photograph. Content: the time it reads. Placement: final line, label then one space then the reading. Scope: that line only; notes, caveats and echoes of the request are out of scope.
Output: 4:58
